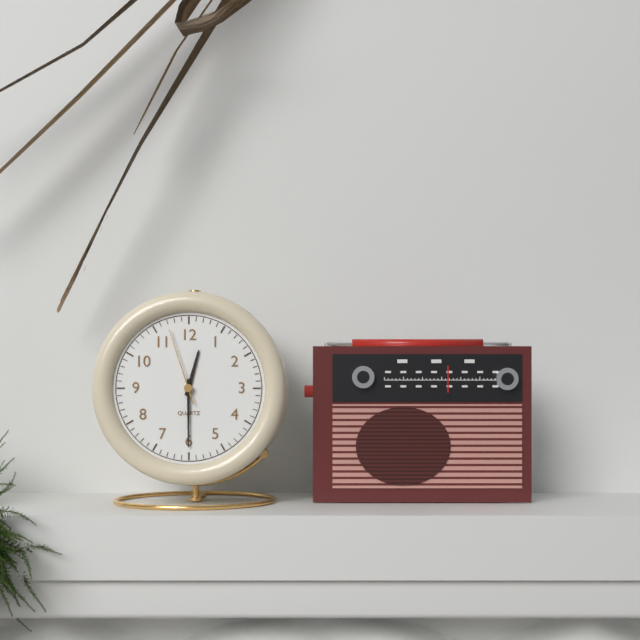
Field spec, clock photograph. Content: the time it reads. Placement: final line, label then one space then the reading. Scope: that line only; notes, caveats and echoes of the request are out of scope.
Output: 12:30:57
